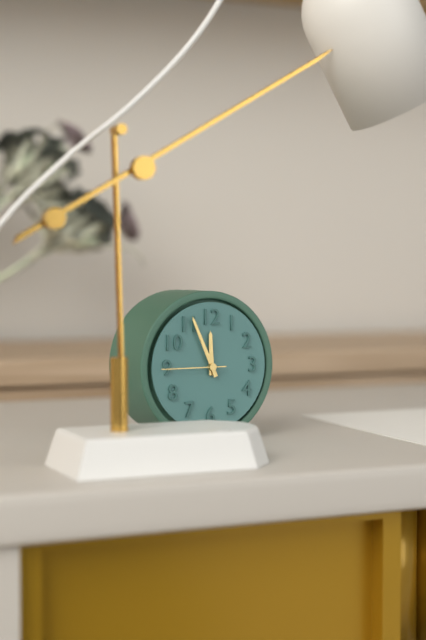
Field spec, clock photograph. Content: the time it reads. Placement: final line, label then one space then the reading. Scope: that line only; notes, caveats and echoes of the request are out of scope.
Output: 11:56:45
